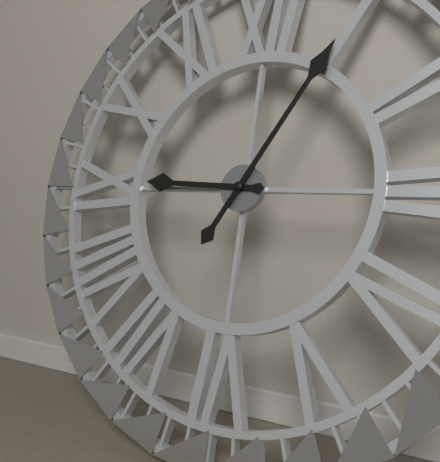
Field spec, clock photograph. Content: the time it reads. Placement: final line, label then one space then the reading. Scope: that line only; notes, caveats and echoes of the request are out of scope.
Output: 9:05
